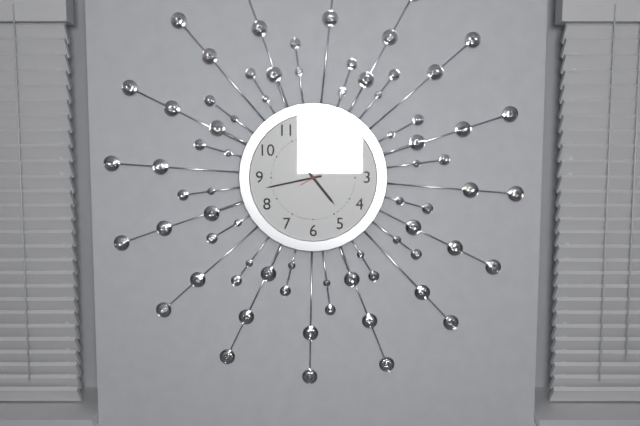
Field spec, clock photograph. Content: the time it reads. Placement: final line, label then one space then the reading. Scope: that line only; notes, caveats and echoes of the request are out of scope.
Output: 4:43:10
